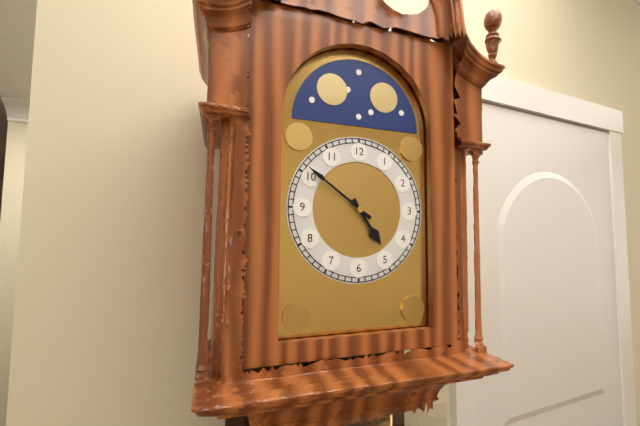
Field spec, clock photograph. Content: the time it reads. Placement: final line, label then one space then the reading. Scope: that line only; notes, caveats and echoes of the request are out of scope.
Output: 4:51
